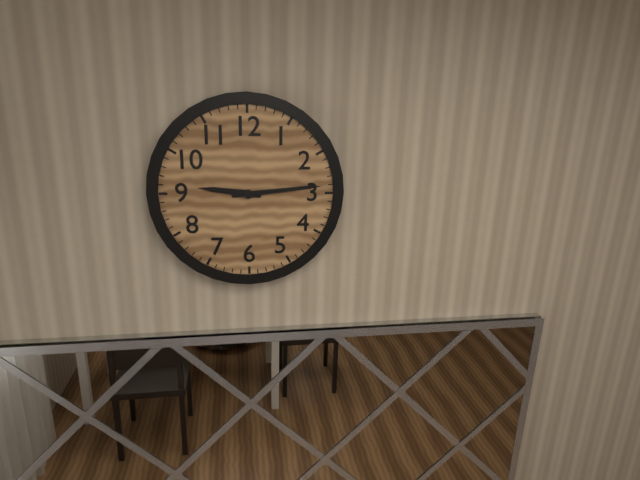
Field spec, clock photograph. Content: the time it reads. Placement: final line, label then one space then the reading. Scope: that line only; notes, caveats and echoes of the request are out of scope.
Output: 9:14
